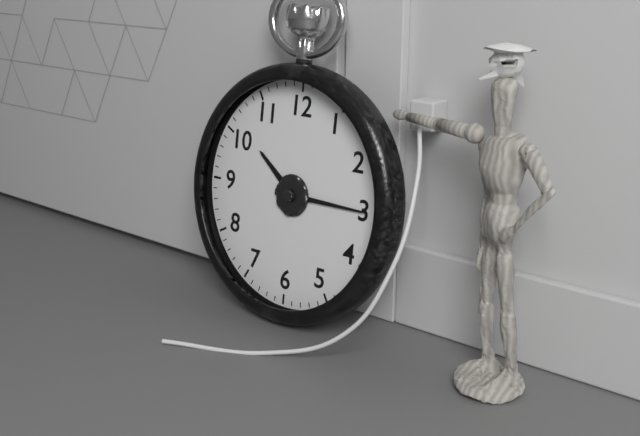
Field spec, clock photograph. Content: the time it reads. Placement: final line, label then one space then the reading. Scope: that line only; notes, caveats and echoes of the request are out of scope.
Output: 10:15
